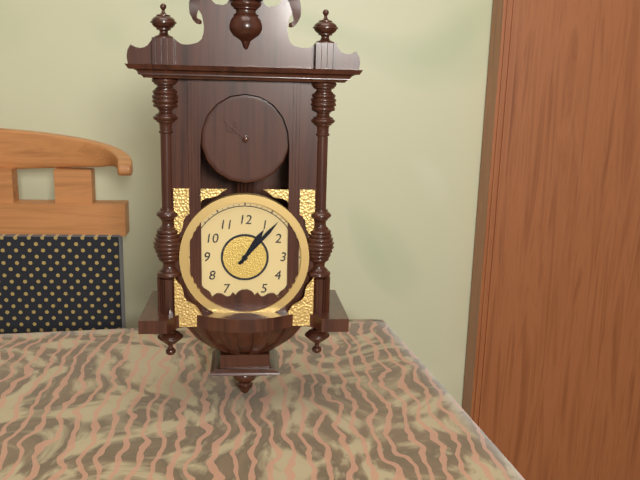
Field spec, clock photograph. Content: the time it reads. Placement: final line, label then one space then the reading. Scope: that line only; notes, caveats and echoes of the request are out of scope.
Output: 1:07
